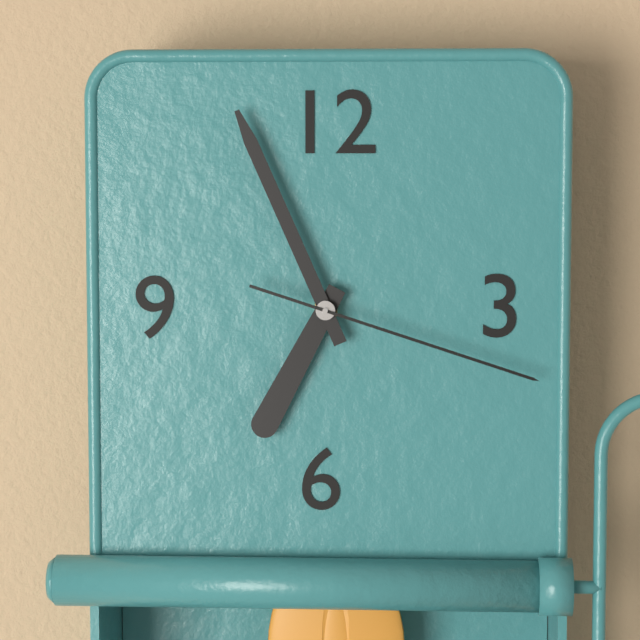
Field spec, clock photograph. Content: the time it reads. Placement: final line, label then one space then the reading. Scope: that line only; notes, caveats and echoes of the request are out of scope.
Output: 6:56:18
